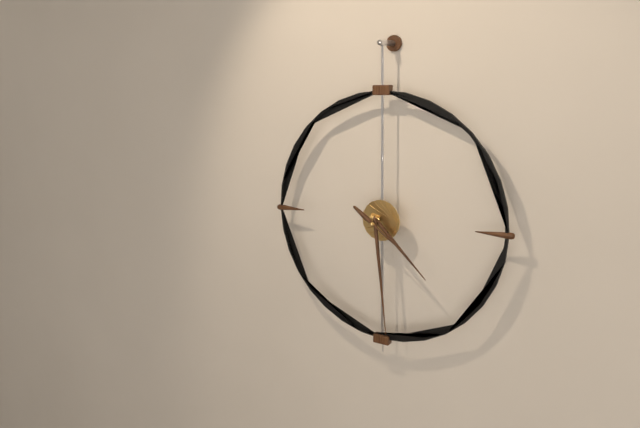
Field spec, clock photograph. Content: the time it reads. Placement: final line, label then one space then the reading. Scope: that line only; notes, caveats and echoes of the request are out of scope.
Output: 4:29:21
